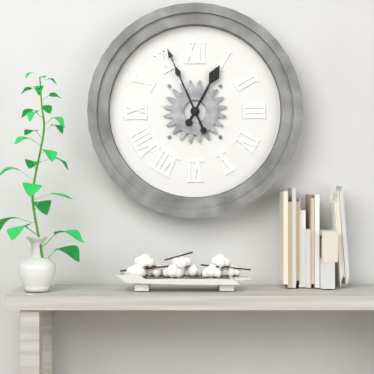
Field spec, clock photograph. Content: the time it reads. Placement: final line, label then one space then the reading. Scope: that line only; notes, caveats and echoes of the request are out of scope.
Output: 12:56
